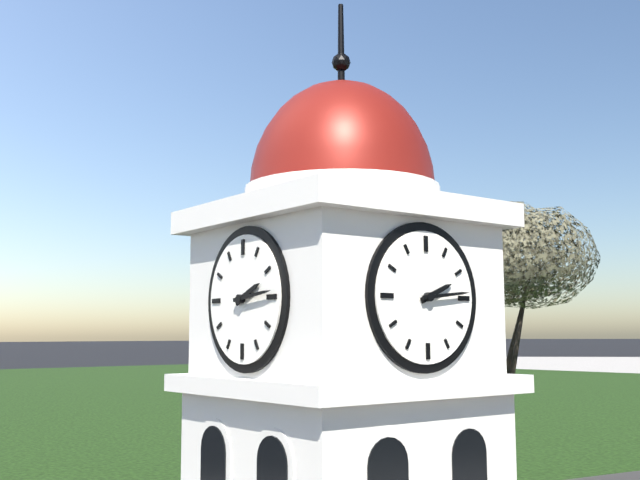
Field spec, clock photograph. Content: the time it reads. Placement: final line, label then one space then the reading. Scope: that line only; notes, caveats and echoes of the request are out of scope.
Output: 2:14
